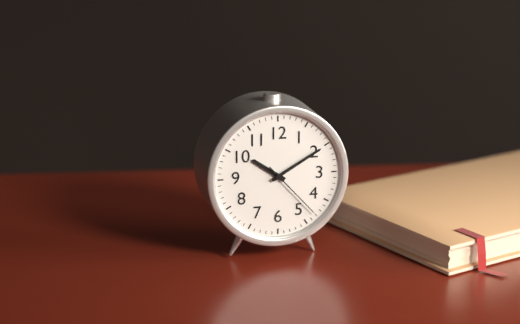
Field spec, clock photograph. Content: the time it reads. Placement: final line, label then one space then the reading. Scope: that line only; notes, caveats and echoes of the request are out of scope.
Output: 10:10:23
